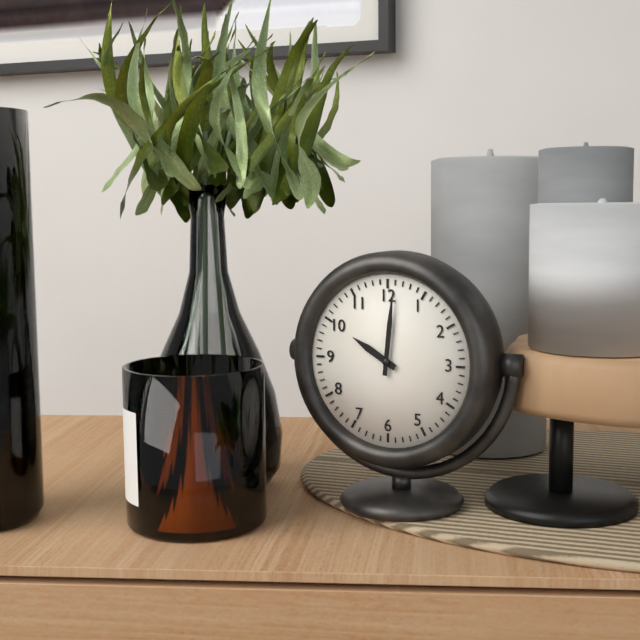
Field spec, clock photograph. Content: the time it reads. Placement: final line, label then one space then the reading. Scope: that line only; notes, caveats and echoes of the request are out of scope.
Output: 10:01
